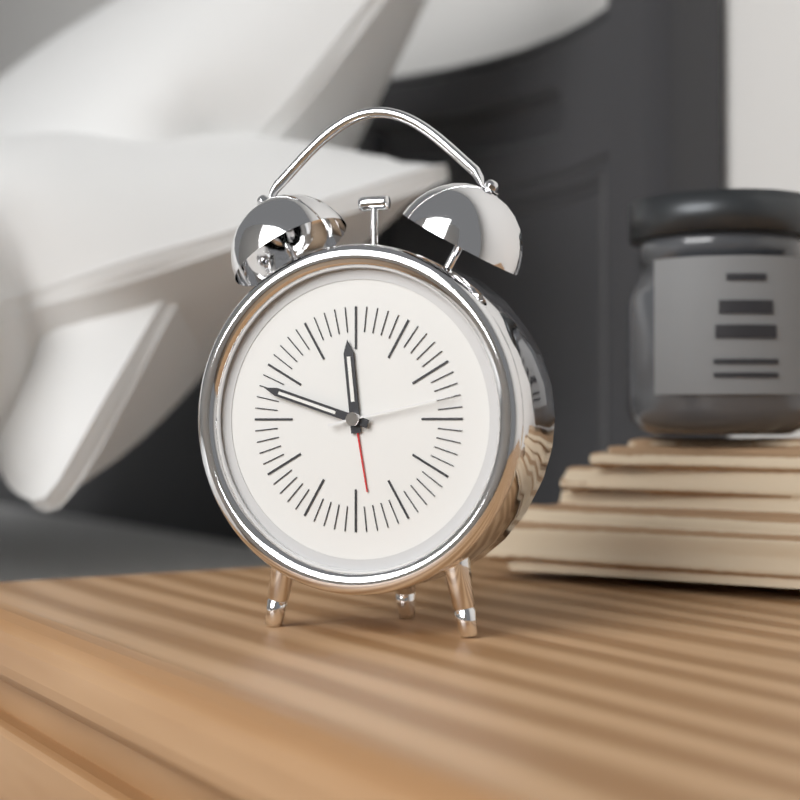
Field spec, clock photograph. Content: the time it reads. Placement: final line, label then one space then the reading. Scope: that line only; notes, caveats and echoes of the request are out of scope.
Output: 11:48:13
